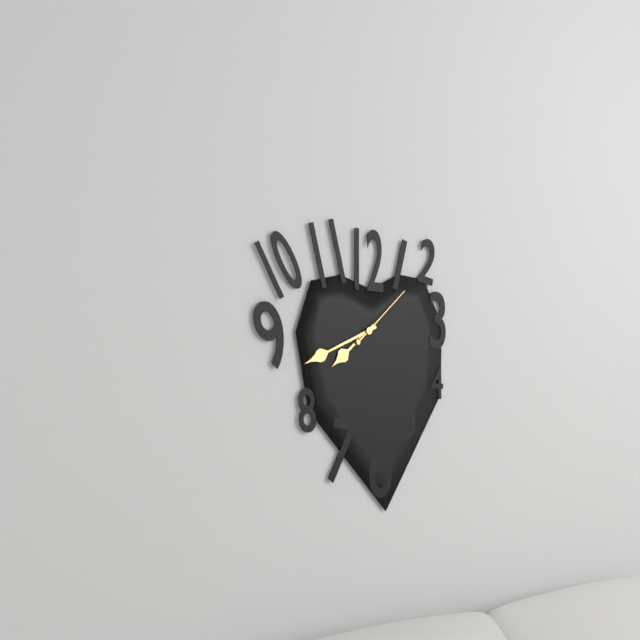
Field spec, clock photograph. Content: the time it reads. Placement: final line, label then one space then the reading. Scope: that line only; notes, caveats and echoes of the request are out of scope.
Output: 7:41:08
